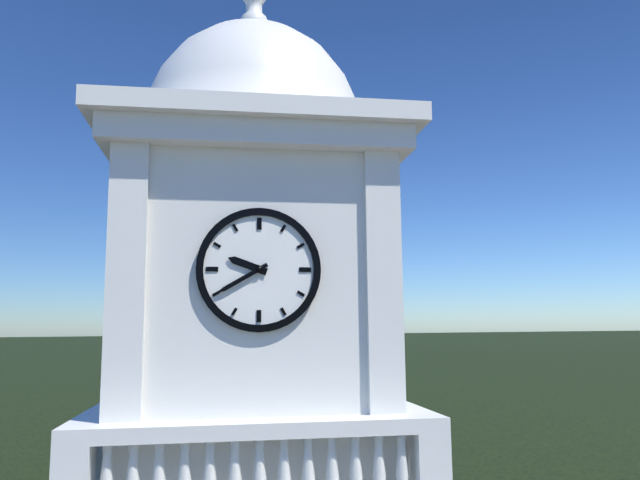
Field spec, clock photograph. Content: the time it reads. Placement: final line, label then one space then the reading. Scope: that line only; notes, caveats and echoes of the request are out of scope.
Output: 9:40
